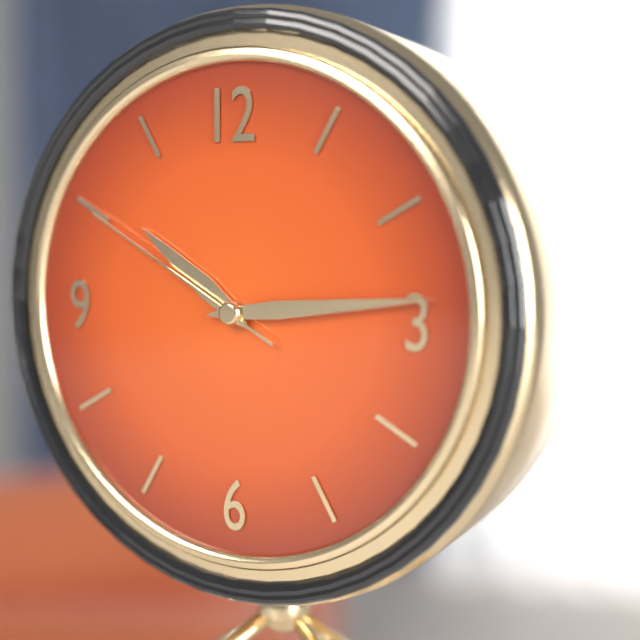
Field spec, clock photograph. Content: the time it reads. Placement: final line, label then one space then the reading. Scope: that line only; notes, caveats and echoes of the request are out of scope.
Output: 10:14:50
